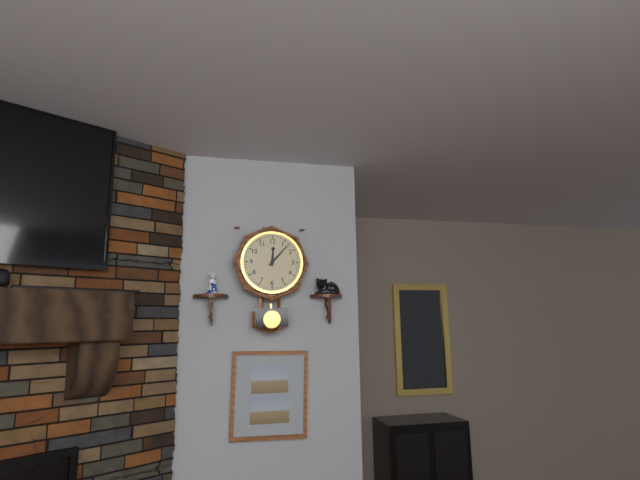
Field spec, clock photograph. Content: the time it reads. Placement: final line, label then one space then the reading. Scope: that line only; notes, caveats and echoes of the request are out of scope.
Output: 12:07
